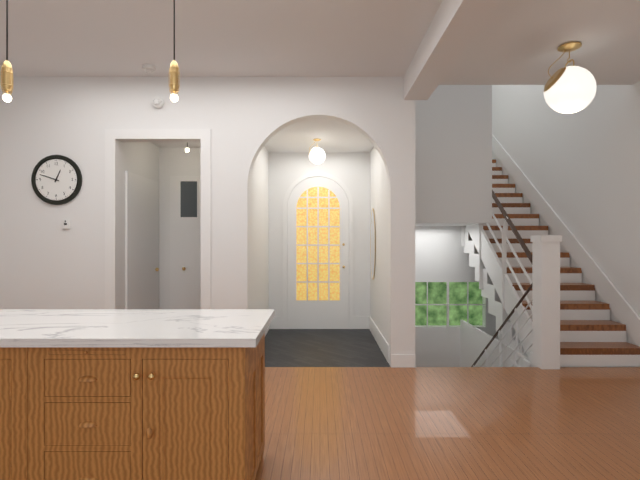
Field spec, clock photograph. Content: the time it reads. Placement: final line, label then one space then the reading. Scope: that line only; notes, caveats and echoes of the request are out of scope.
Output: 12:48
